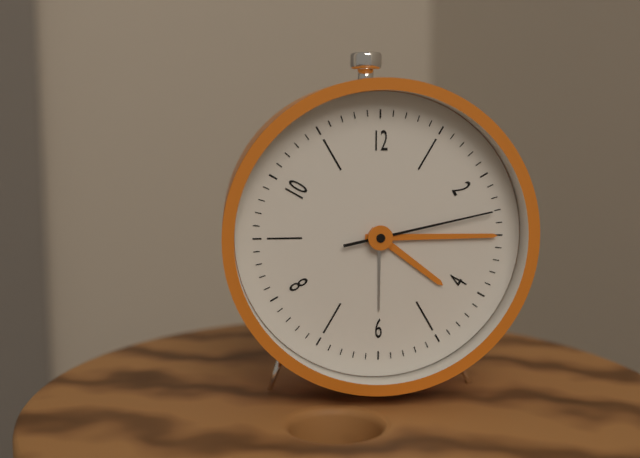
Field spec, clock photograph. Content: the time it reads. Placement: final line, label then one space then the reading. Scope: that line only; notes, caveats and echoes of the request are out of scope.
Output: 4:15:13
